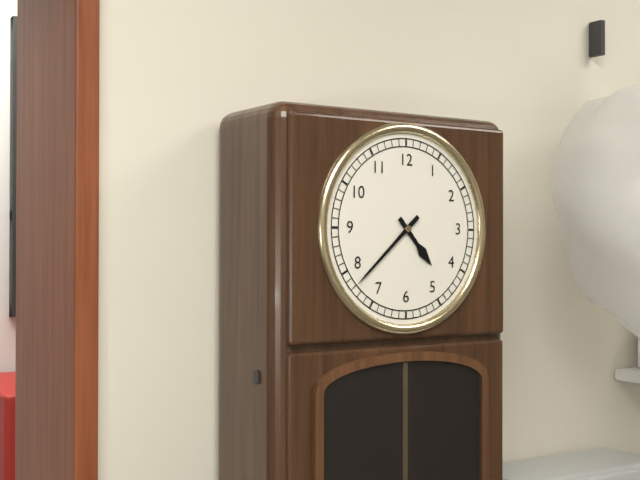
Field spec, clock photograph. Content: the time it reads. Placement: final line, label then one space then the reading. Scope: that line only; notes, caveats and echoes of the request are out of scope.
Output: 4:38
